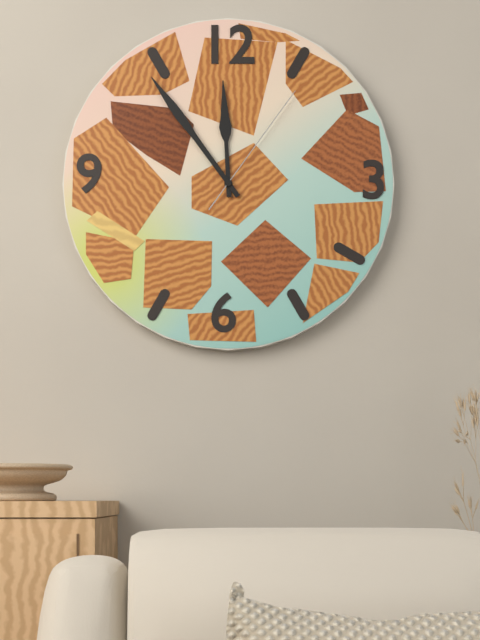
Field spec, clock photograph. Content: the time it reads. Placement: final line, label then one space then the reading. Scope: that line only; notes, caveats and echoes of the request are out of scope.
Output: 11:54:06
